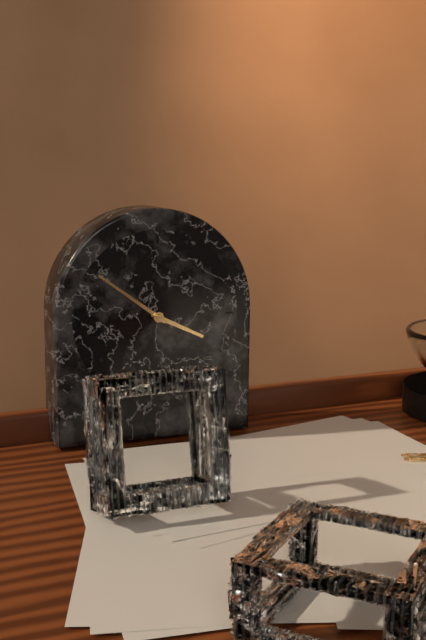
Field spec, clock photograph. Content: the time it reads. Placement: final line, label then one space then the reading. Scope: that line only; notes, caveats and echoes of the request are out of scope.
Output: 3:51
